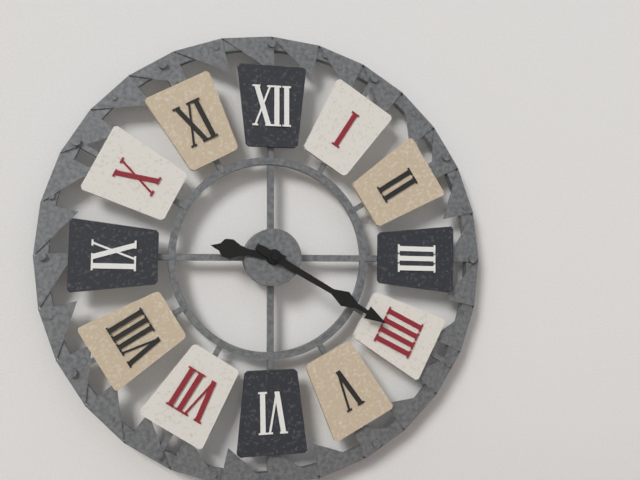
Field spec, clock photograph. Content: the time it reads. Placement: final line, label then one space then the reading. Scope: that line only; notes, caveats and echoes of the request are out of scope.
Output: 9:20
